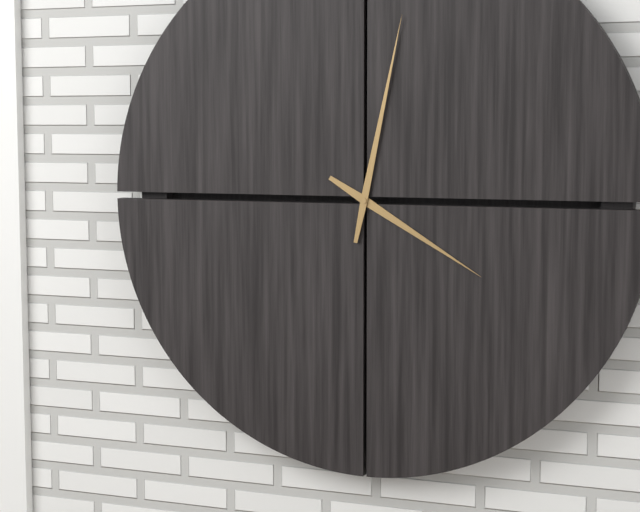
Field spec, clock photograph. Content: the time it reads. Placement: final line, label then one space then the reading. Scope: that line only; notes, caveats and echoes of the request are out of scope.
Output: 4:02
